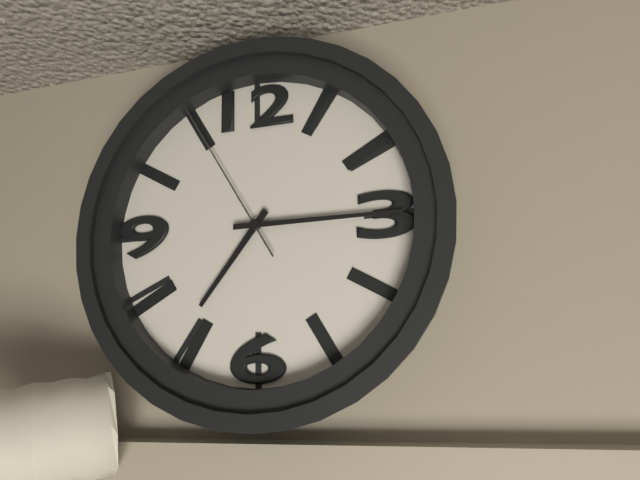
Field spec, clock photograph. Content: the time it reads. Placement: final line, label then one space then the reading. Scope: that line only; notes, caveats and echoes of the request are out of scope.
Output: 7:15:55
